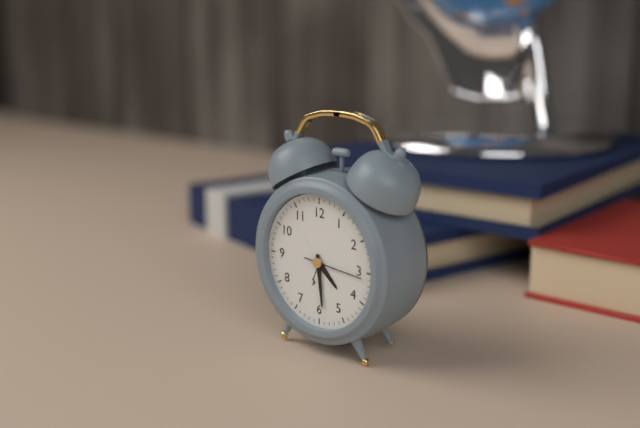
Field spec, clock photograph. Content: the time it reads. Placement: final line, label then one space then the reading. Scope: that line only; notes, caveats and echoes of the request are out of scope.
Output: 4:29:16
